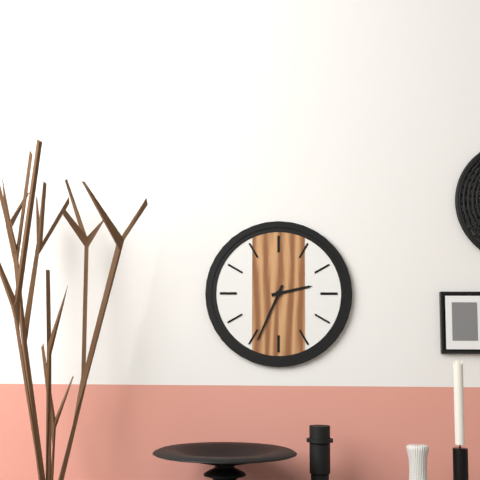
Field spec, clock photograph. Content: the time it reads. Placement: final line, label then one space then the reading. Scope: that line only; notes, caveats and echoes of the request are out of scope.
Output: 2:34
